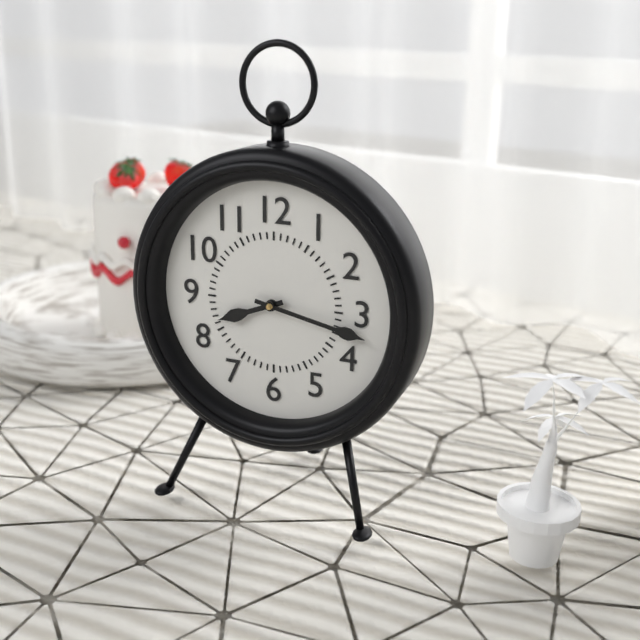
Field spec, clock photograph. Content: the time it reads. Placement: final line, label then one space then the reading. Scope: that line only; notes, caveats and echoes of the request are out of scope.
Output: 8:17
